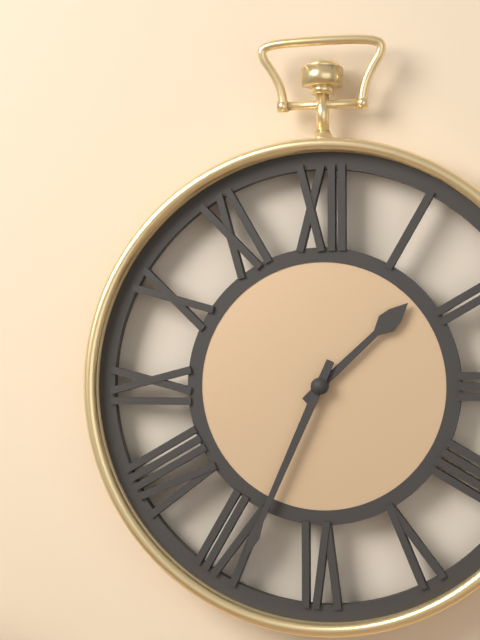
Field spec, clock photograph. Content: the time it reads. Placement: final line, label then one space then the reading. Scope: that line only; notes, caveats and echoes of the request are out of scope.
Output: 1:34
